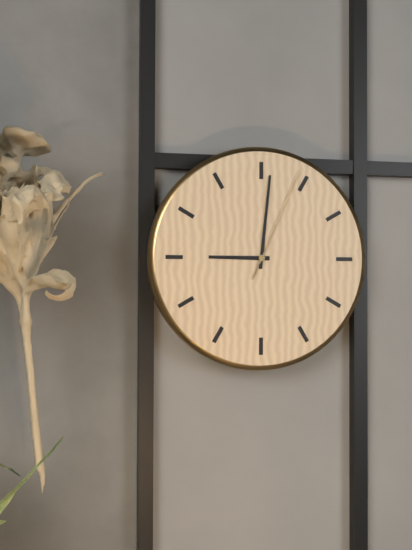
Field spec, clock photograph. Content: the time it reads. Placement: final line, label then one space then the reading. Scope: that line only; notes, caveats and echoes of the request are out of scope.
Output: 9:01:04
